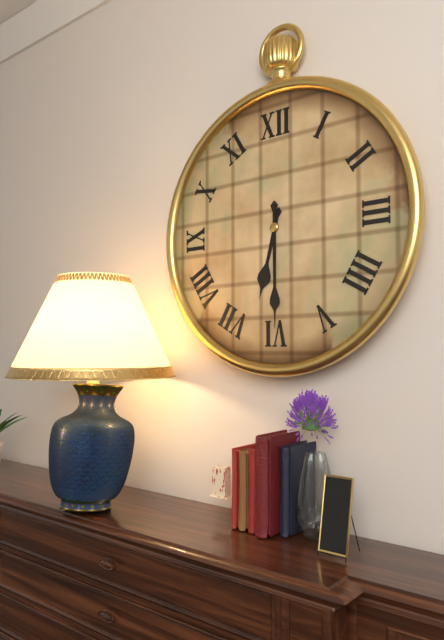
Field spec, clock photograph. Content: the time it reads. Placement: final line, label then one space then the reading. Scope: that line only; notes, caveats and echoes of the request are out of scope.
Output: 6:30
